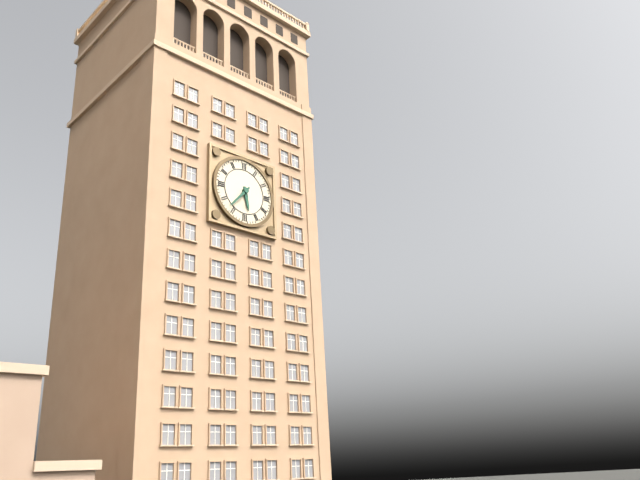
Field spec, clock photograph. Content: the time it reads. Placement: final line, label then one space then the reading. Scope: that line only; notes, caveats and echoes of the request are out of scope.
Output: 5:37
